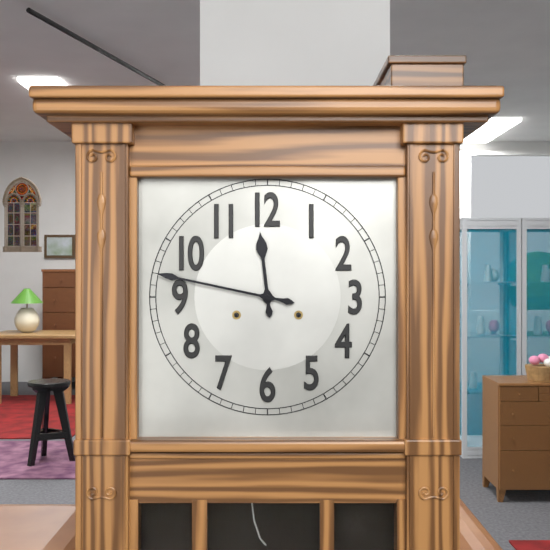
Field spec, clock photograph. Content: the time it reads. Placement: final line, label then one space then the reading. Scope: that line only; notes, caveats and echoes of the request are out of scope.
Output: 11:47
